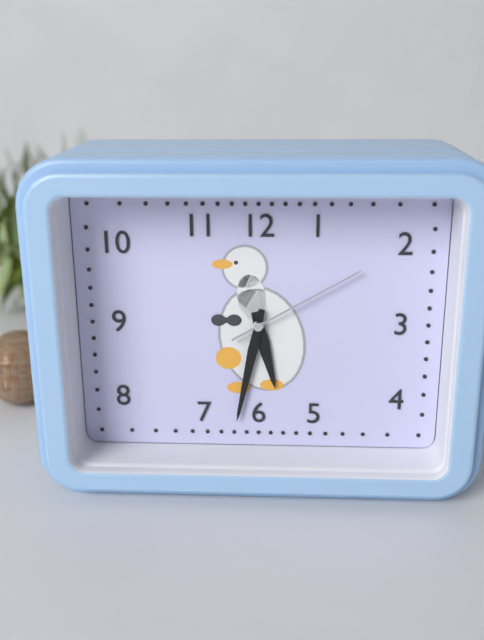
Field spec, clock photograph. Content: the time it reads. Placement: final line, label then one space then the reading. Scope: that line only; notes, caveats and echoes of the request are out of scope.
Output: 5:32:10
